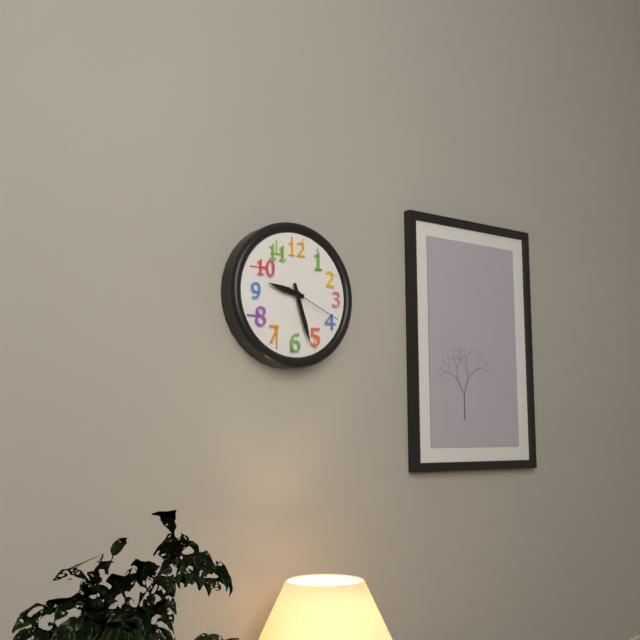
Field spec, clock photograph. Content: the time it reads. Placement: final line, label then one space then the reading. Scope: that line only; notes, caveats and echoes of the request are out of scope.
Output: 9:27:19
